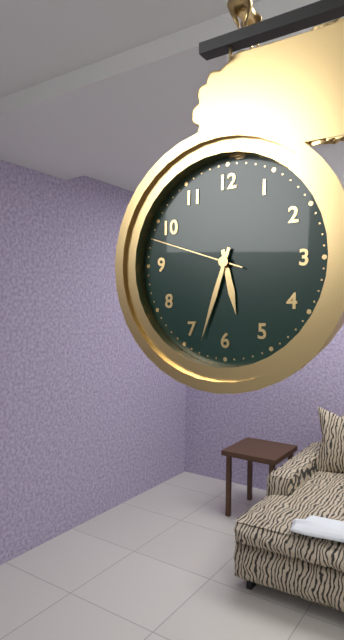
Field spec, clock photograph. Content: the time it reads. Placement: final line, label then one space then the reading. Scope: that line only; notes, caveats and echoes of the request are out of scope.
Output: 5:33:48
